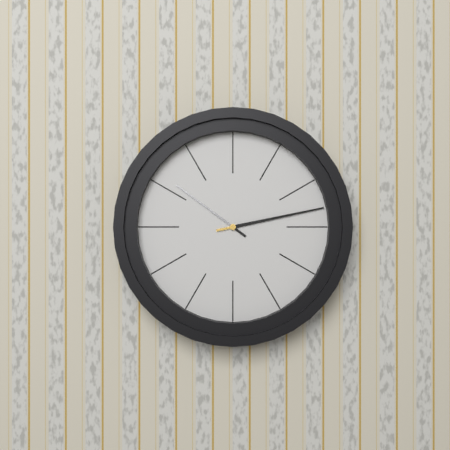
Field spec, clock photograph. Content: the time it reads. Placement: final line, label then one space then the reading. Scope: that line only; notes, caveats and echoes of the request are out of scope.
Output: 10:13
